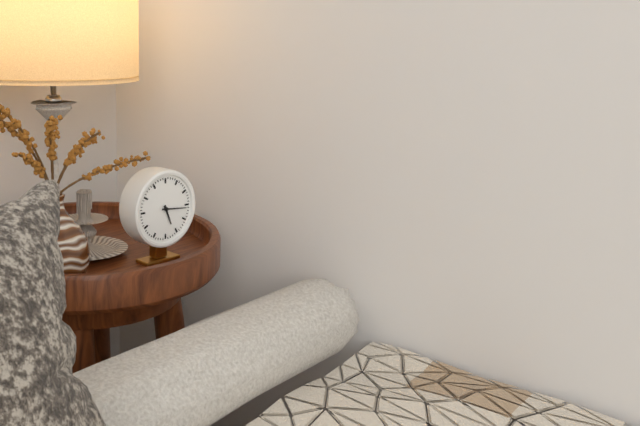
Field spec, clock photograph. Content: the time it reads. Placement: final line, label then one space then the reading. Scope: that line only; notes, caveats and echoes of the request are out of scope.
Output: 5:16
